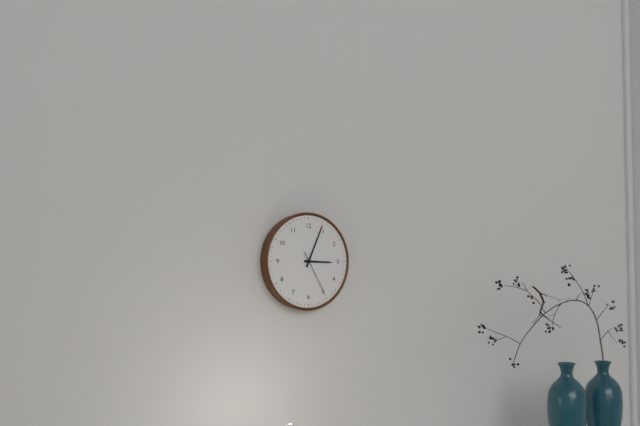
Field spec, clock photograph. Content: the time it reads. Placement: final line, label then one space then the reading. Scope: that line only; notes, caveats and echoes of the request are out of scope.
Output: 3:04
